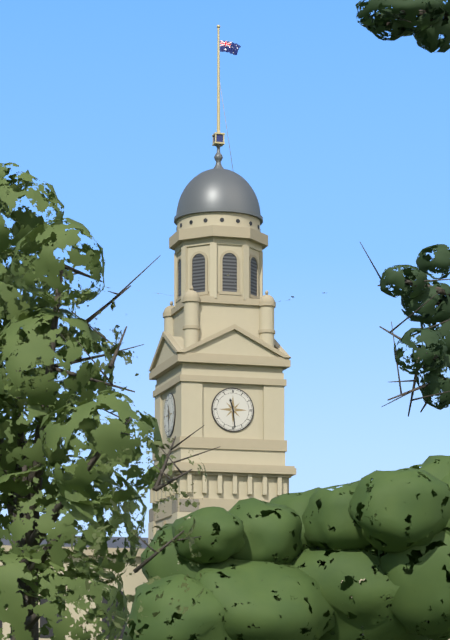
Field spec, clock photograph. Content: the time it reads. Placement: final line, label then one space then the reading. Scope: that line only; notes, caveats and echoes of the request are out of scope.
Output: 11:29
